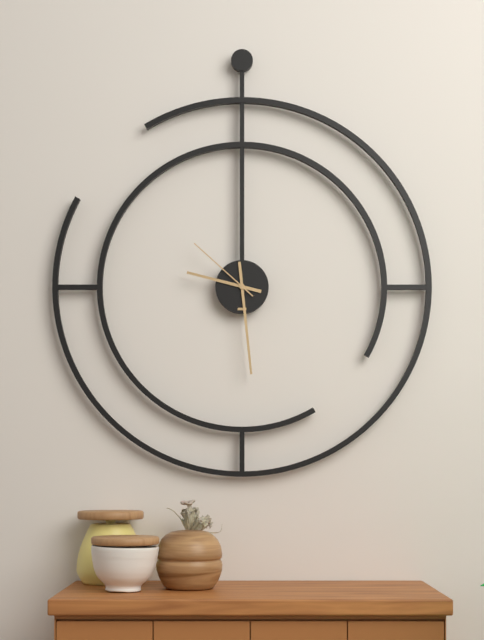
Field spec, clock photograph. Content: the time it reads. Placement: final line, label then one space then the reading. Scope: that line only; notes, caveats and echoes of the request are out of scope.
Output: 9:29:52
